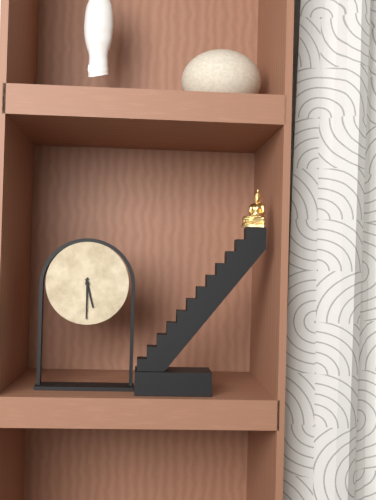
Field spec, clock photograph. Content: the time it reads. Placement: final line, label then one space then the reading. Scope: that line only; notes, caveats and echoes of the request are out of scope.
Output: 5:30
